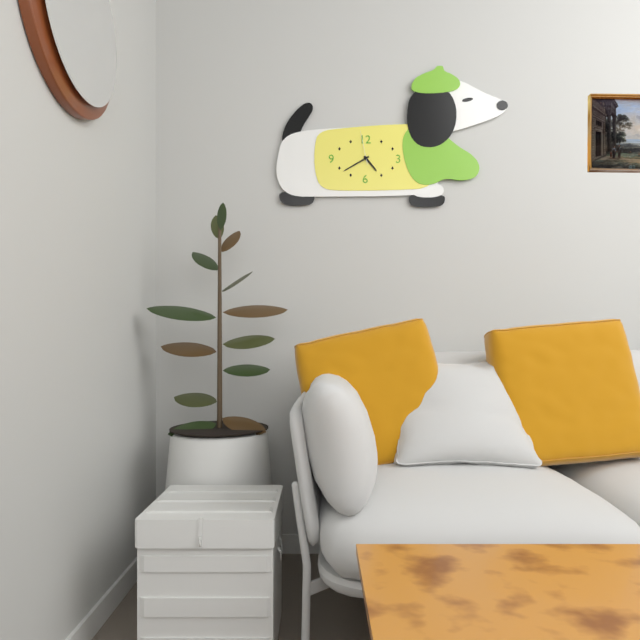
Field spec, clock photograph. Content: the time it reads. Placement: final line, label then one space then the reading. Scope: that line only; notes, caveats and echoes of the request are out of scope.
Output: 4:40
